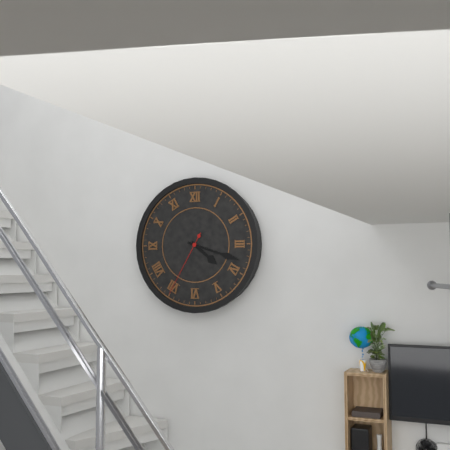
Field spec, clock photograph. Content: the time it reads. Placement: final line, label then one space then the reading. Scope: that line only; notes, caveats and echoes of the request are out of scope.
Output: 4:18:35
